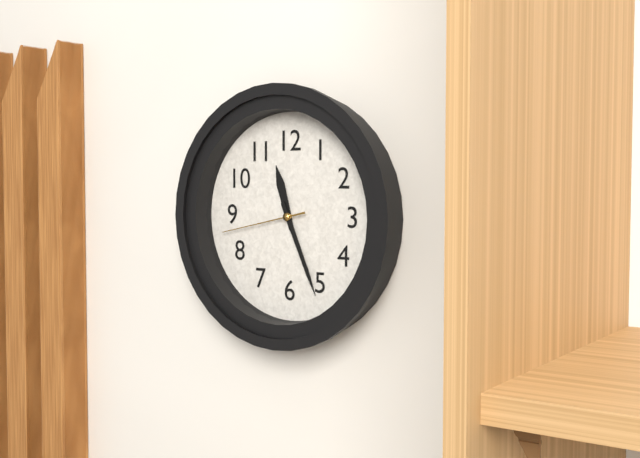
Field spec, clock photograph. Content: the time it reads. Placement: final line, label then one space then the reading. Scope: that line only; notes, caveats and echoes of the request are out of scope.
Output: 11:26:43
